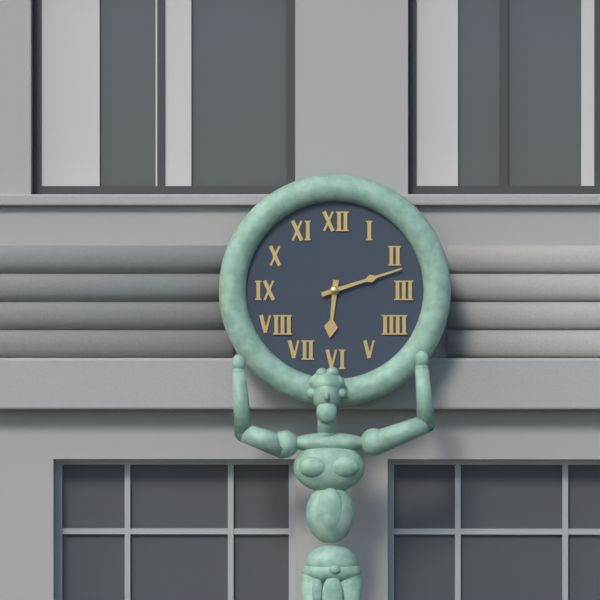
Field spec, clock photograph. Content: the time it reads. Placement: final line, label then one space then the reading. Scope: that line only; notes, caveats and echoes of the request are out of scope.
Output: 6:12
